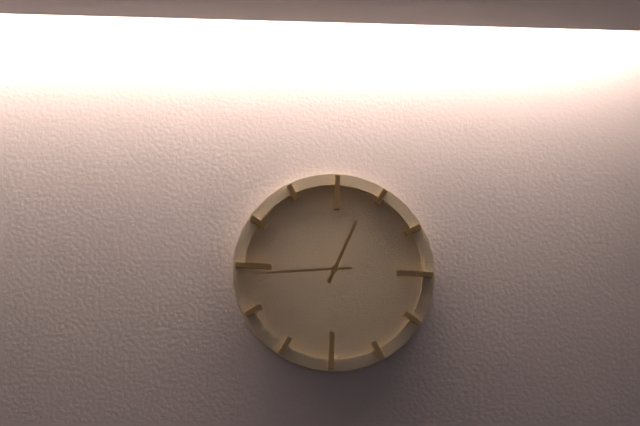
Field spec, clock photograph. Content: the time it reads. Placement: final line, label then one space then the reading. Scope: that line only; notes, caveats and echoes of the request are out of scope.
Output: 12:44
